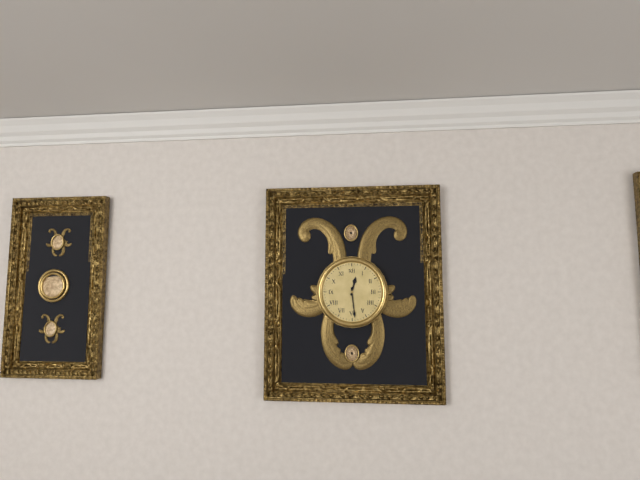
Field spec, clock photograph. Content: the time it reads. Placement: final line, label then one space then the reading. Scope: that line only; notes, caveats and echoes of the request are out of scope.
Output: 12:29
